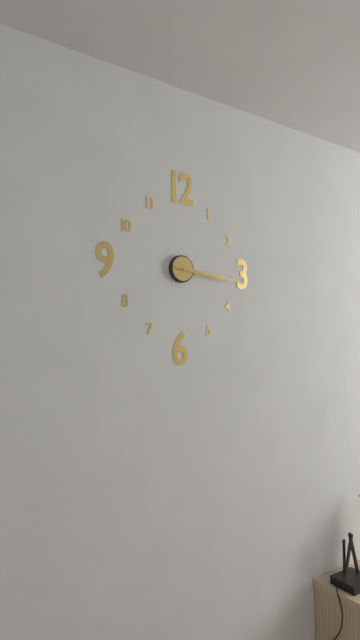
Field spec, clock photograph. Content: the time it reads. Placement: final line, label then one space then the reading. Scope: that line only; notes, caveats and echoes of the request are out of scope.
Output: 3:16
